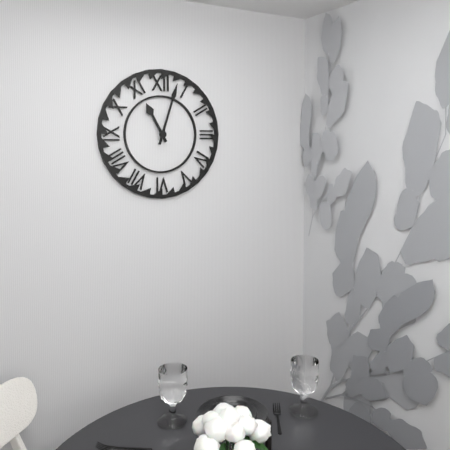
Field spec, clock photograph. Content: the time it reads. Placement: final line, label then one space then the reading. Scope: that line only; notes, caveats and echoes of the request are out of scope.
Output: 11:03
